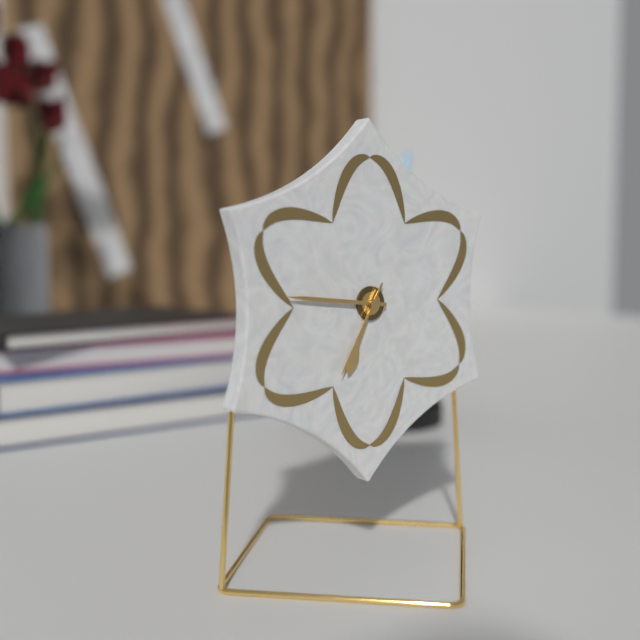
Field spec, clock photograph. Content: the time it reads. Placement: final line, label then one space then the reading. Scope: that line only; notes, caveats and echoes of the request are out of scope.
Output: 6:46:35
